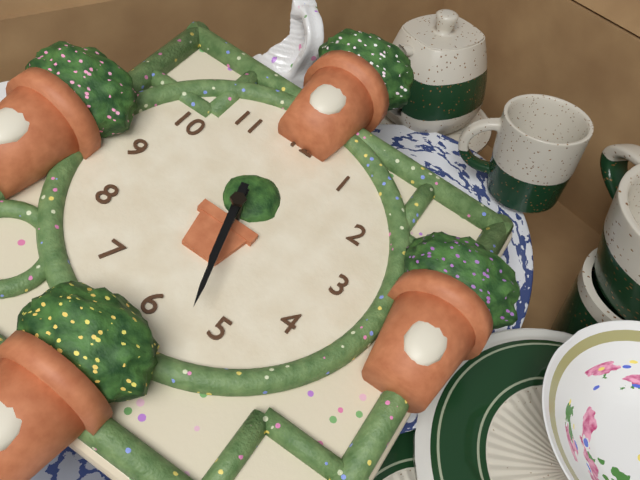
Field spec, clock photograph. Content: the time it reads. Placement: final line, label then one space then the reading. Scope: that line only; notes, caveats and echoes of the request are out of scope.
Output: 5:27
